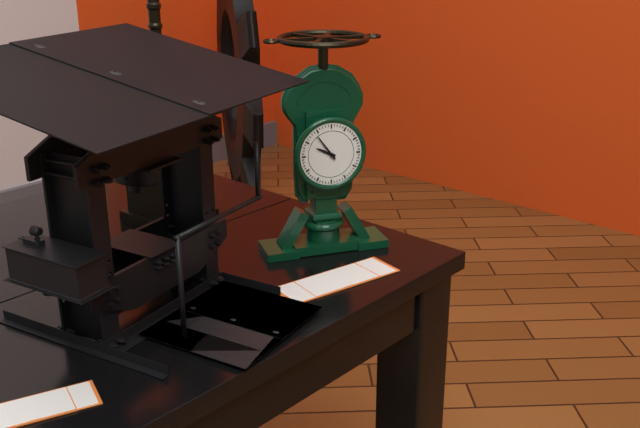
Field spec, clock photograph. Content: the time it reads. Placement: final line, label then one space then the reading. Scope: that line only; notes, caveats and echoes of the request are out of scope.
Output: 9:54
